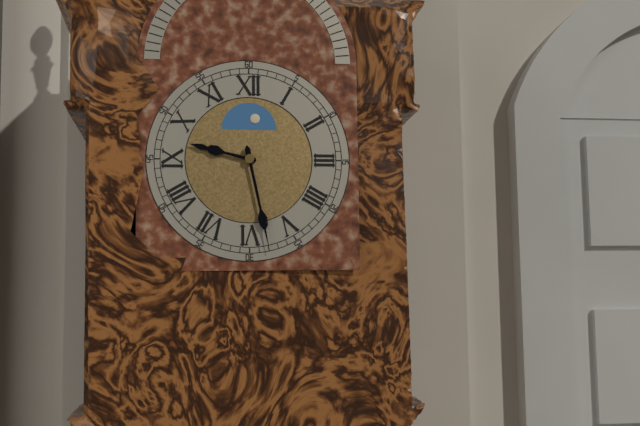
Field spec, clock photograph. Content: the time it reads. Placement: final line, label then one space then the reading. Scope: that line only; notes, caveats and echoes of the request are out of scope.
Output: 9:28
